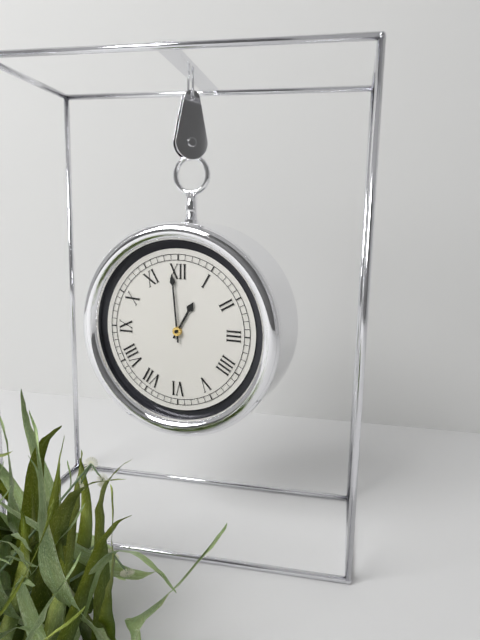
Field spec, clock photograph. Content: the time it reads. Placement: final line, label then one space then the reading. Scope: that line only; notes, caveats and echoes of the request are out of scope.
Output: 12:59
